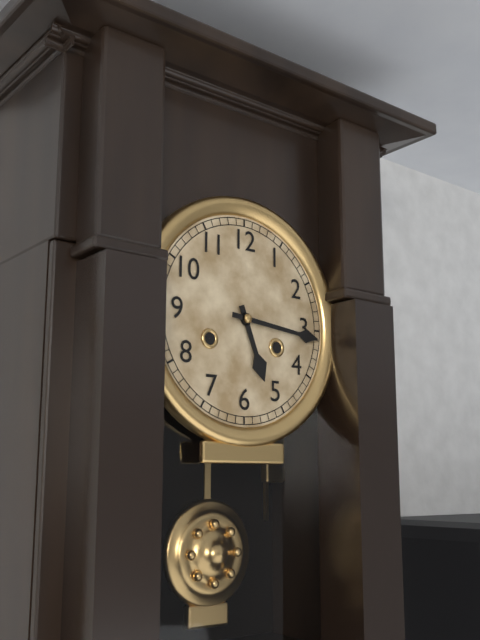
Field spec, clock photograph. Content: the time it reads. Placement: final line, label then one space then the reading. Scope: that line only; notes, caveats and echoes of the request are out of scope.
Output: 5:16
